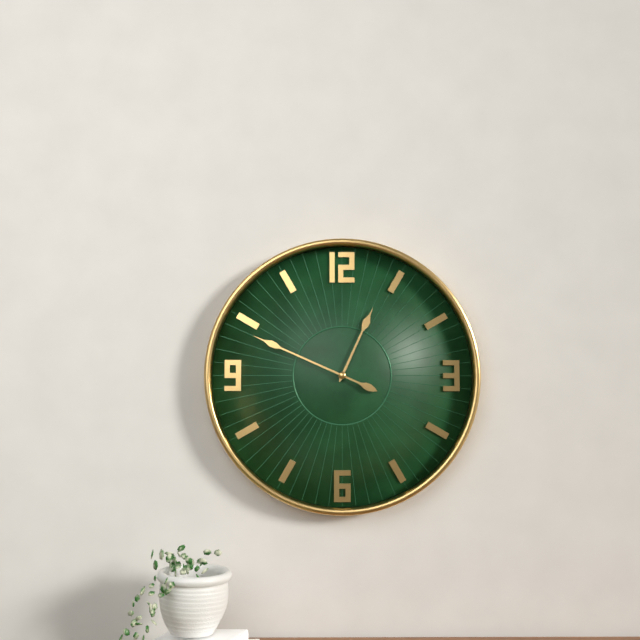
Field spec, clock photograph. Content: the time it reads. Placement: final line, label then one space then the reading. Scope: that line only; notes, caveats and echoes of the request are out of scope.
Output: 12:49
